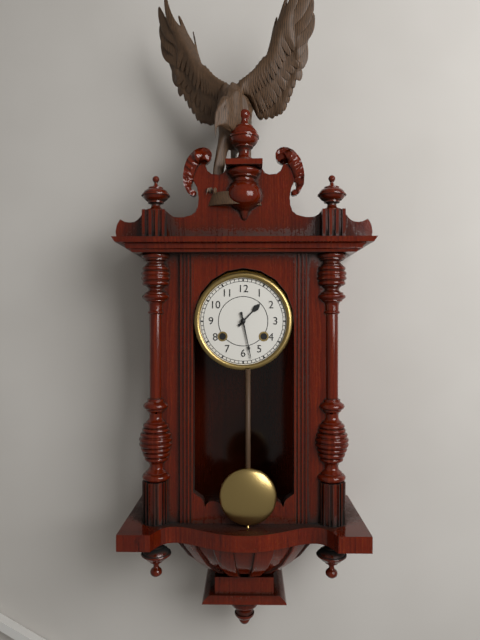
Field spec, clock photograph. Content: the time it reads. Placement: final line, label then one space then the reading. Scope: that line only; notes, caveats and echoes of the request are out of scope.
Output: 1:28
